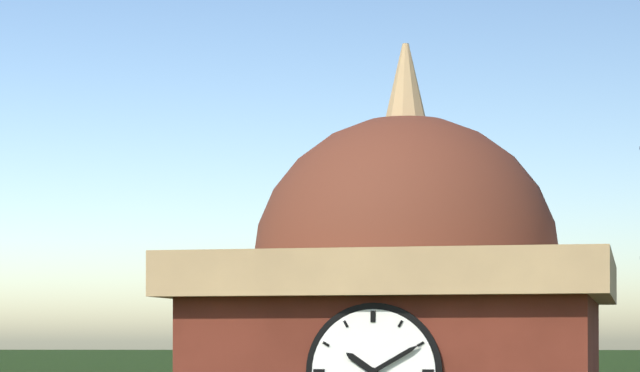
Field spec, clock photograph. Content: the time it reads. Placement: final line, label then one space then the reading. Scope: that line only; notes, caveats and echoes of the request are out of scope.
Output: 10:10
